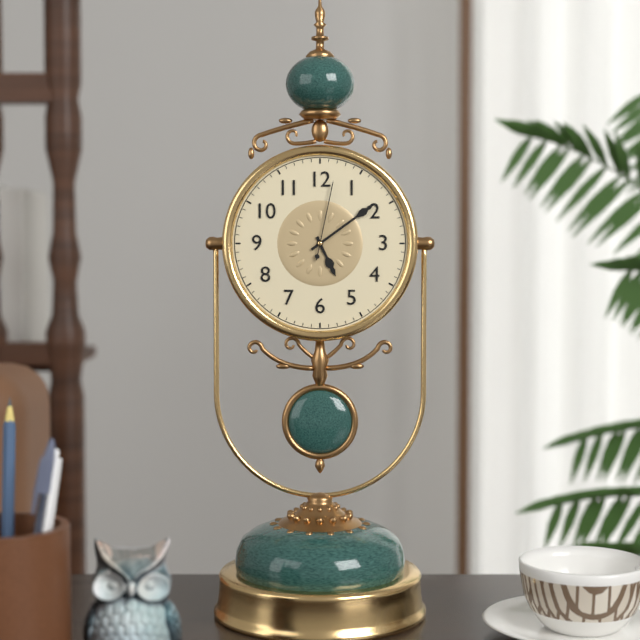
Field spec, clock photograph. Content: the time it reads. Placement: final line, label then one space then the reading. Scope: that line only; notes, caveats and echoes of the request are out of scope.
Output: 5:09:02
